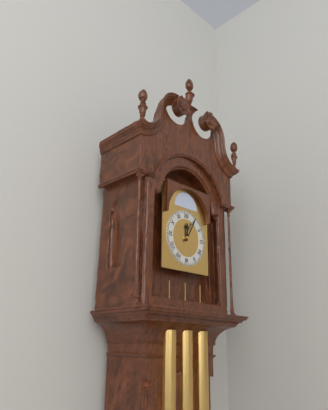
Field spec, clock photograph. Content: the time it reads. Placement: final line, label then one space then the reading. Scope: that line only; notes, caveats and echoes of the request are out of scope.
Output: 12:05
